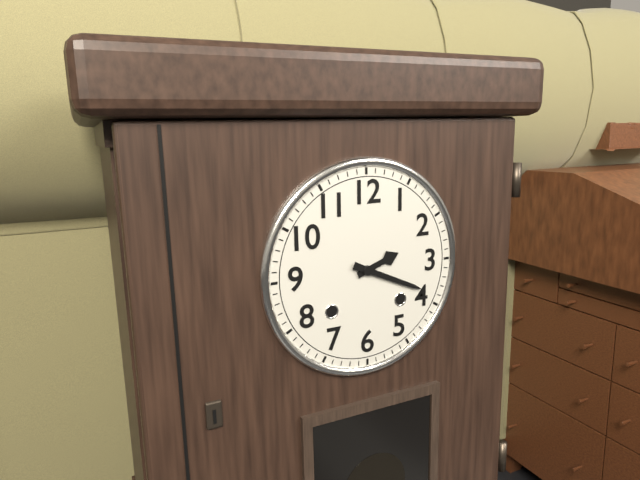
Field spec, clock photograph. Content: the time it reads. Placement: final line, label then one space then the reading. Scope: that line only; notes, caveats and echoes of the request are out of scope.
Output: 2:19
